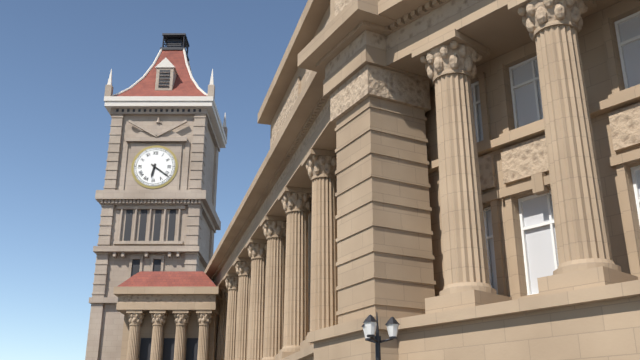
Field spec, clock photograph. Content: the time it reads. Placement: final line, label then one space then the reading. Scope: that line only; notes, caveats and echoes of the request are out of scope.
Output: 6:21
